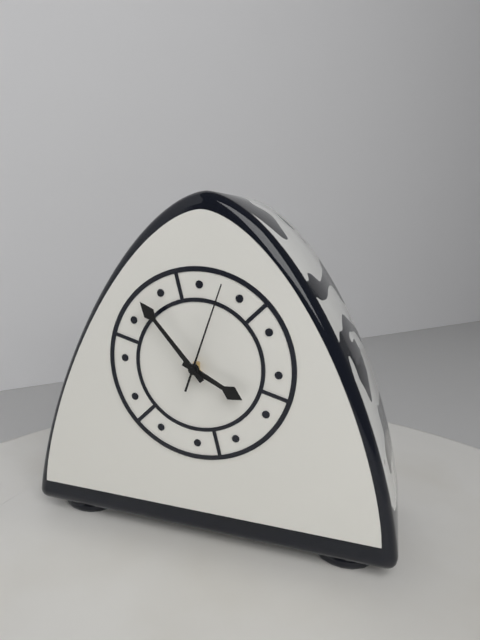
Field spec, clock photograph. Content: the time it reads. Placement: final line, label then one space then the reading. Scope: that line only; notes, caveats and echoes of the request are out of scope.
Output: 3:53:03
